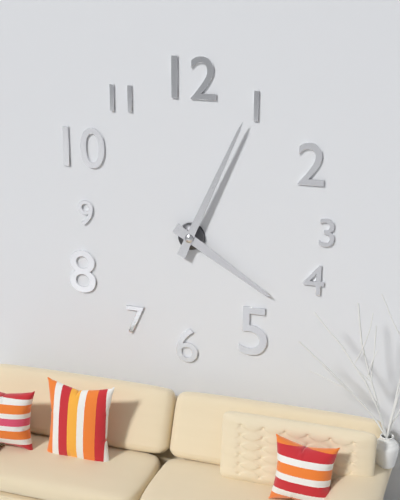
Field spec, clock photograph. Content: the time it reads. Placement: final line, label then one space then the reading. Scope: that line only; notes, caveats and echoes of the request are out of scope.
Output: 4:04
